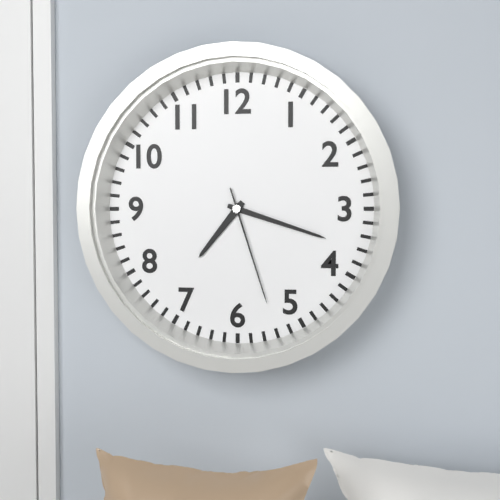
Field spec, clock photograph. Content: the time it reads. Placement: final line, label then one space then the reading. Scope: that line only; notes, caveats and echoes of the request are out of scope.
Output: 7:18:27
